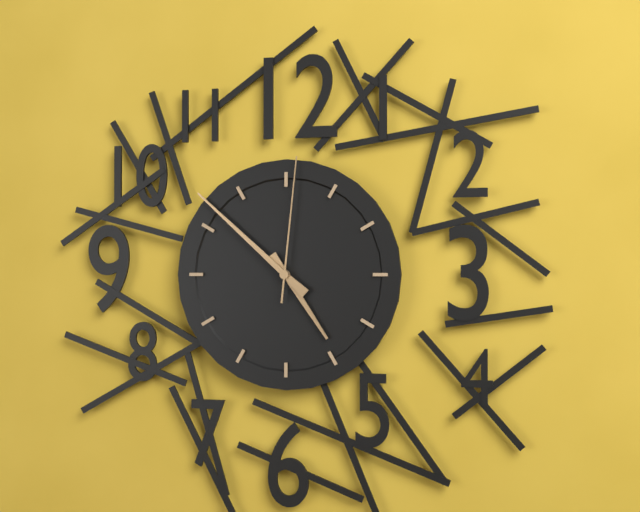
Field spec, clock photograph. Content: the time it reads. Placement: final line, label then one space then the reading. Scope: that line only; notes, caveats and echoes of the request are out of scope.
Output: 4:52:01
